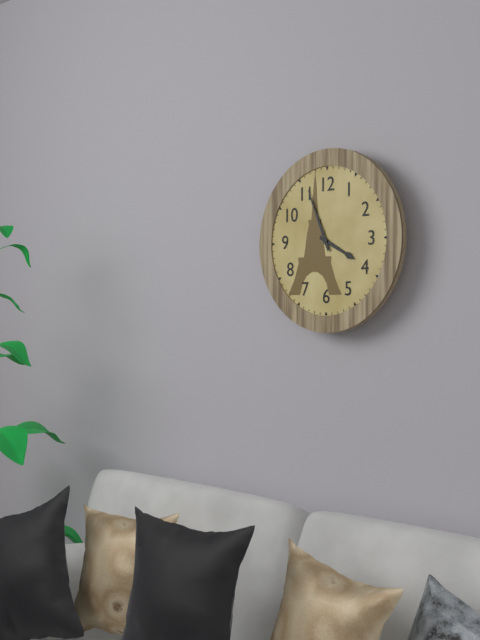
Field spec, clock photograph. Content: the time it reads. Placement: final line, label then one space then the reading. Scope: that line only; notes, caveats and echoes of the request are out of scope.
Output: 3:56
